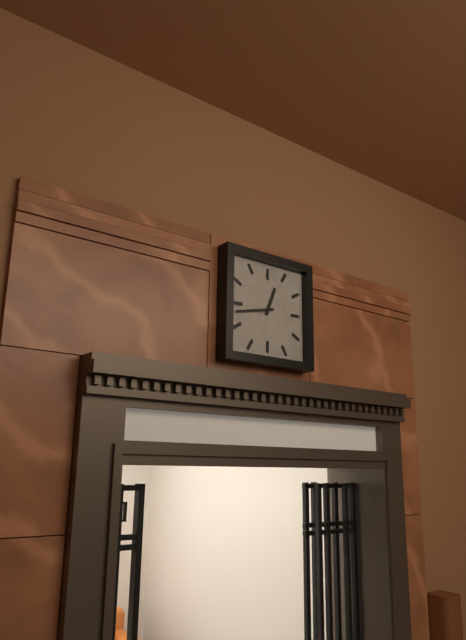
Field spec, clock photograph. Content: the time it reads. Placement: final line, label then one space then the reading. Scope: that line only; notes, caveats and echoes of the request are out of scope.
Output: 12:43
